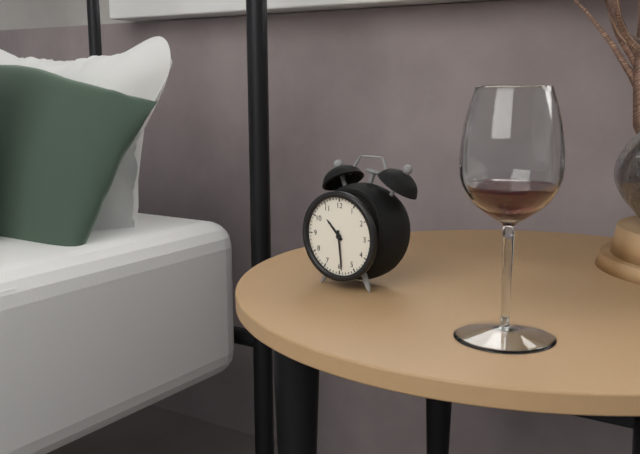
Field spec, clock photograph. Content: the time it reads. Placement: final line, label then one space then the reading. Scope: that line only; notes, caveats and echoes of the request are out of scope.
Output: 10:29
